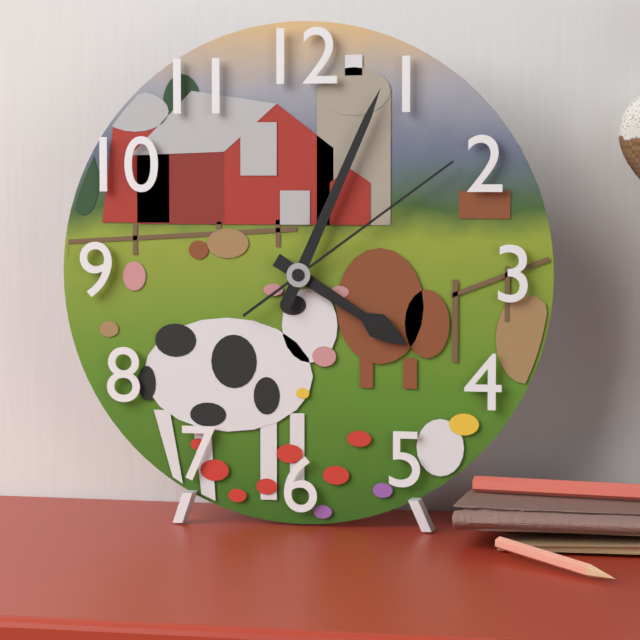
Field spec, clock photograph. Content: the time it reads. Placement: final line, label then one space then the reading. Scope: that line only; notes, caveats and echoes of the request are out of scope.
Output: 4:04:09
